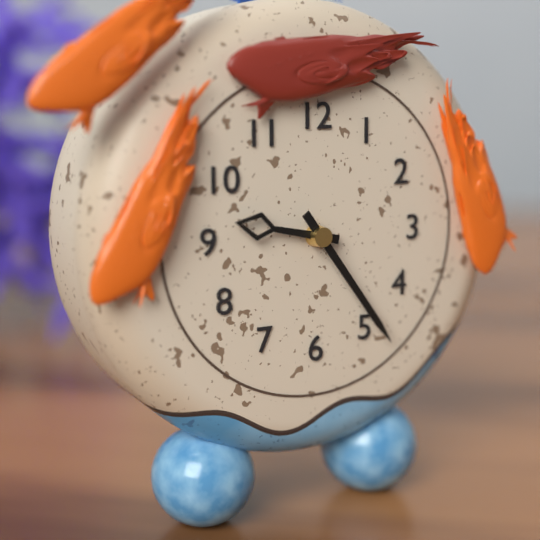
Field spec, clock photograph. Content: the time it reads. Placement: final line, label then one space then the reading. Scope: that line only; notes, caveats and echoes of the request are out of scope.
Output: 9:24
